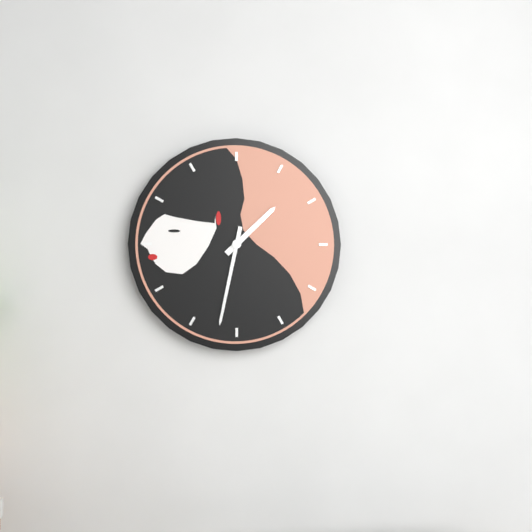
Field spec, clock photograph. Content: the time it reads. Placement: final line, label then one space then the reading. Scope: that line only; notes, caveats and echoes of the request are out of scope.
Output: 1:32
